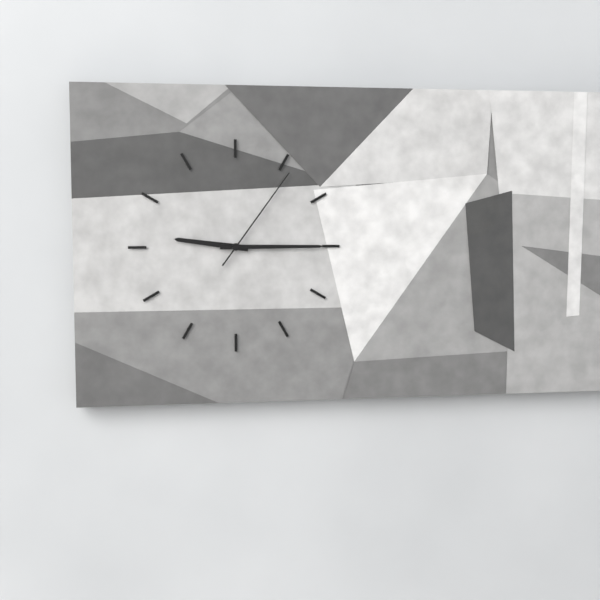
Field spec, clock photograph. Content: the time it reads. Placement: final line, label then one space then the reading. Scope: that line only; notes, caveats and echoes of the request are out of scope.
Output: 9:15:06
